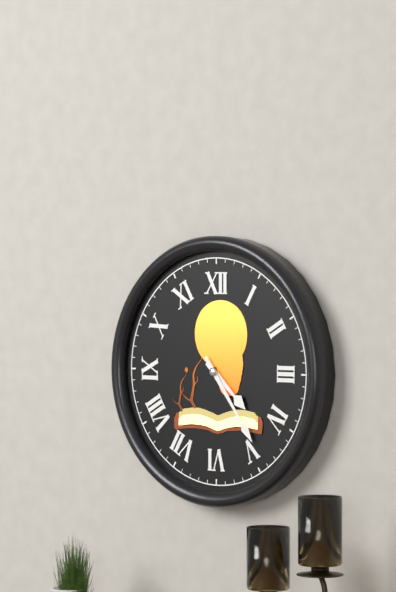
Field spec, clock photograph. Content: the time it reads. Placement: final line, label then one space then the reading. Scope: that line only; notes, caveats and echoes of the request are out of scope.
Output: 4:24
